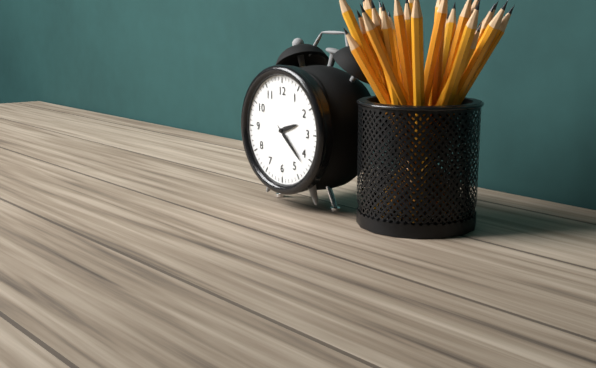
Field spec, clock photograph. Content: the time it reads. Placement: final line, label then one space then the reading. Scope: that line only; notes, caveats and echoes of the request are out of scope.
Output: 2:22
